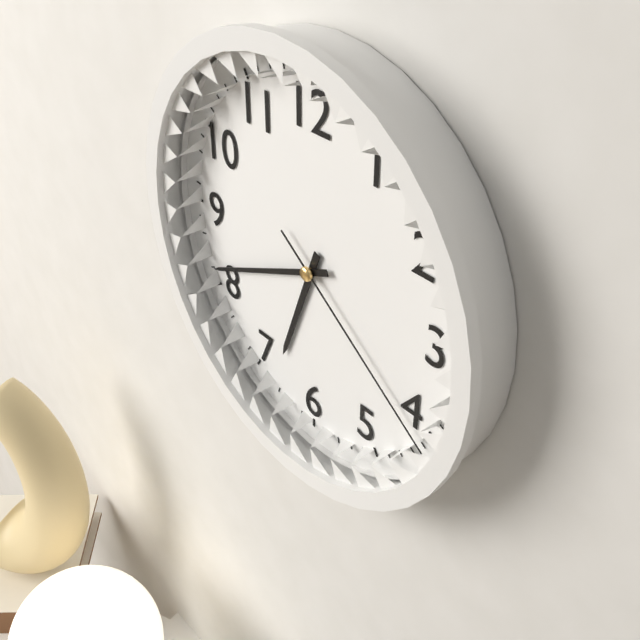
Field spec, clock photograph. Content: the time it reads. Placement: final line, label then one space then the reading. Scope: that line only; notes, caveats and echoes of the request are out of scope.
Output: 6:41:21
